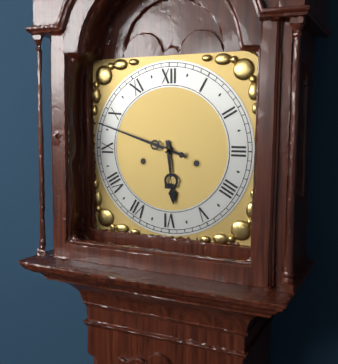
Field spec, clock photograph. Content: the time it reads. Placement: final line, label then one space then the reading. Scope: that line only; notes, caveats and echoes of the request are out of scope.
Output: 5:48
